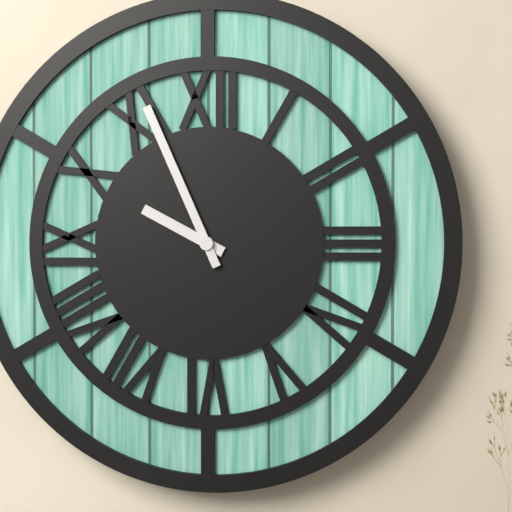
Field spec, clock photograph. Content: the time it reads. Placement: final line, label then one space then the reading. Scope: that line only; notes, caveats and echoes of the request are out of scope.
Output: 9:56
